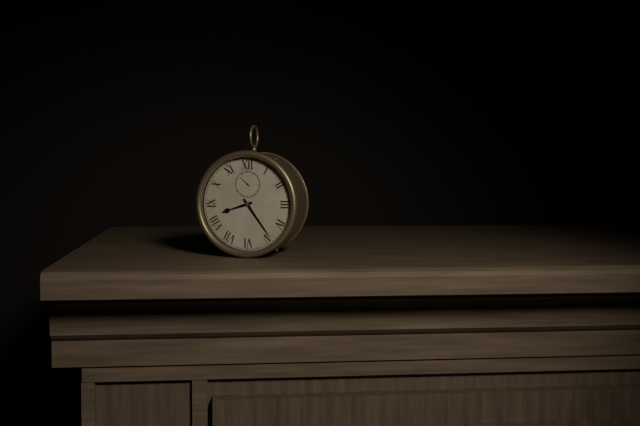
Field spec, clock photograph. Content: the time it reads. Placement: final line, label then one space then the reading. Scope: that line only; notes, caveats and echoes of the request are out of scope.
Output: 8:24
